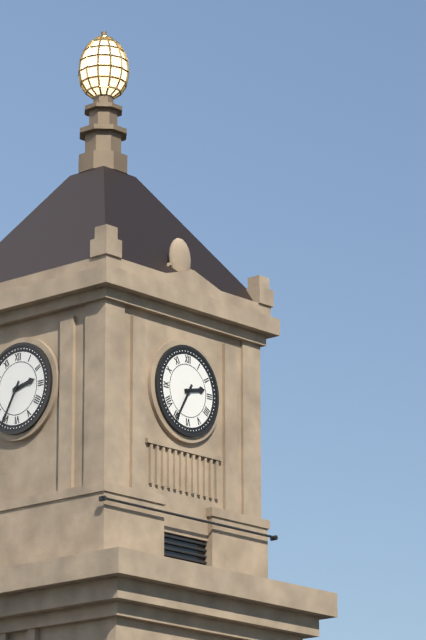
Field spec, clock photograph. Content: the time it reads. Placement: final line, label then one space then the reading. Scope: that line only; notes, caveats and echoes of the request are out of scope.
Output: 2:35
